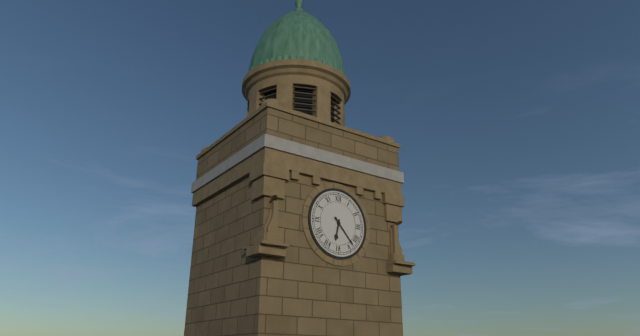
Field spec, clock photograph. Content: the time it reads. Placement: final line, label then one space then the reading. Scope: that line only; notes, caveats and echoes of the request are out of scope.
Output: 6:23
